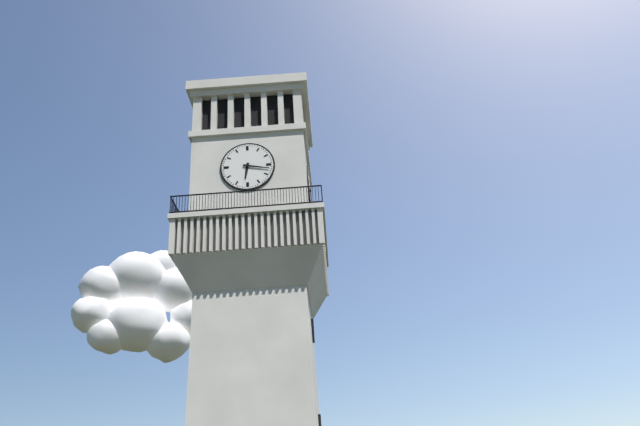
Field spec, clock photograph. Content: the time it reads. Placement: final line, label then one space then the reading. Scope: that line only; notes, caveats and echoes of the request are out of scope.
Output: 6:17
